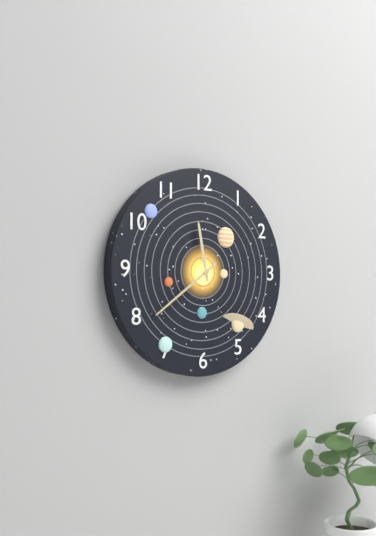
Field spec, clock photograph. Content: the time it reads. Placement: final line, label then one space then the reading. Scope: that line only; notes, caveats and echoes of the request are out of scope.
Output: 11:39
